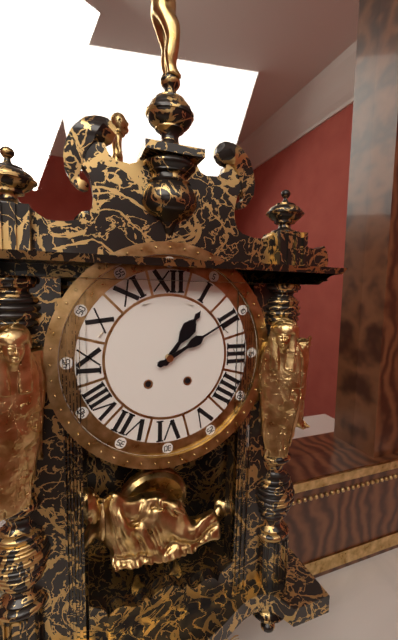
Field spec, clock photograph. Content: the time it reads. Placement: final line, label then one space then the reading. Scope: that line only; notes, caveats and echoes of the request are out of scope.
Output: 1:10
